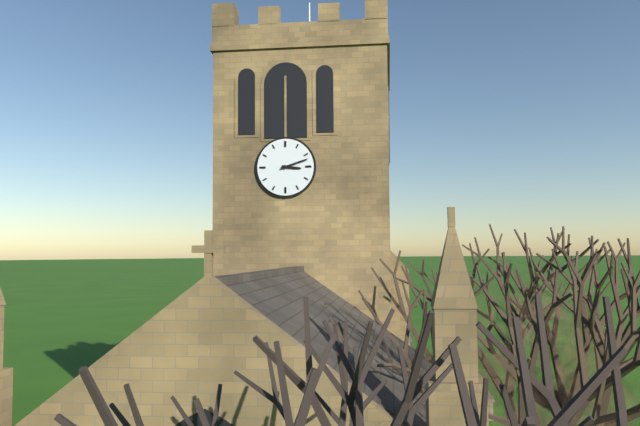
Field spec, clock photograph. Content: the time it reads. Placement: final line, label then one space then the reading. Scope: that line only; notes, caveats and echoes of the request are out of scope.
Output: 3:12
